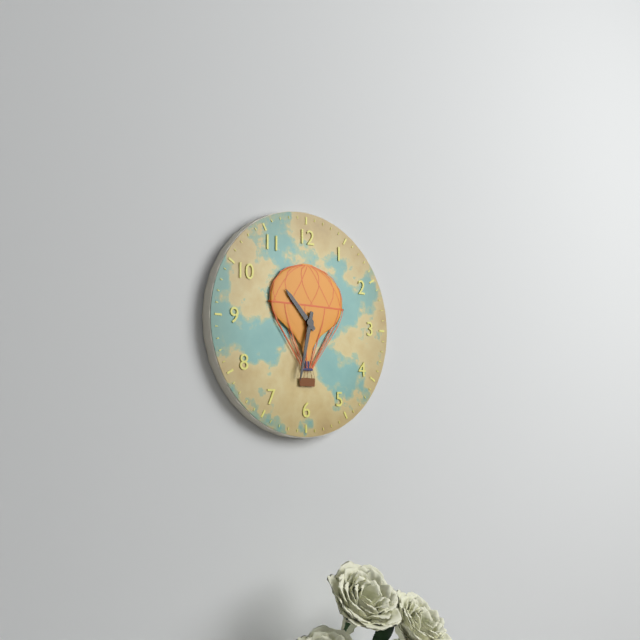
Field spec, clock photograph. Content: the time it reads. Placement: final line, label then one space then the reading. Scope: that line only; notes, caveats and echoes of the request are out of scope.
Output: 10:32
